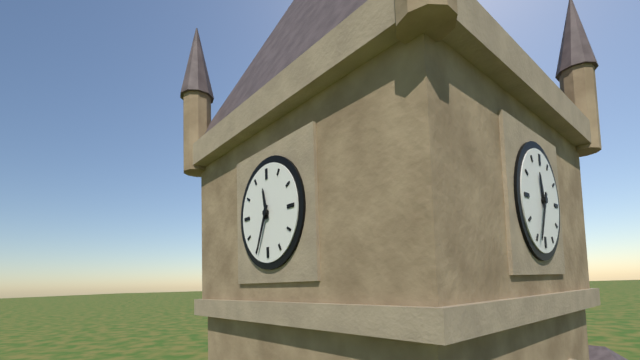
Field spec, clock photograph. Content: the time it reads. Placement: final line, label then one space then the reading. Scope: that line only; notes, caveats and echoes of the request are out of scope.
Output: 11:34
